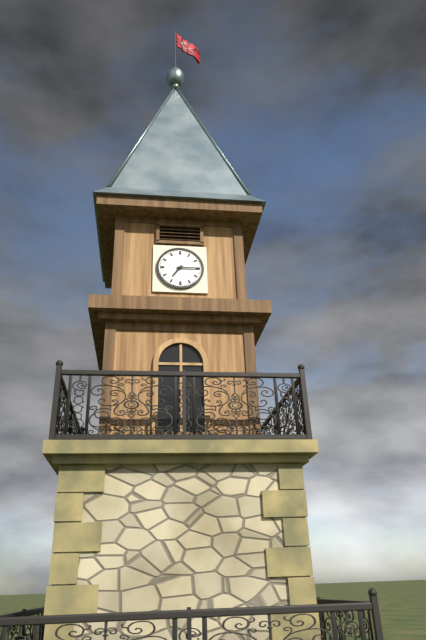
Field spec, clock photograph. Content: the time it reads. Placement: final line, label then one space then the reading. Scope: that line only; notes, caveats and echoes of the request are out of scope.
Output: 7:15
